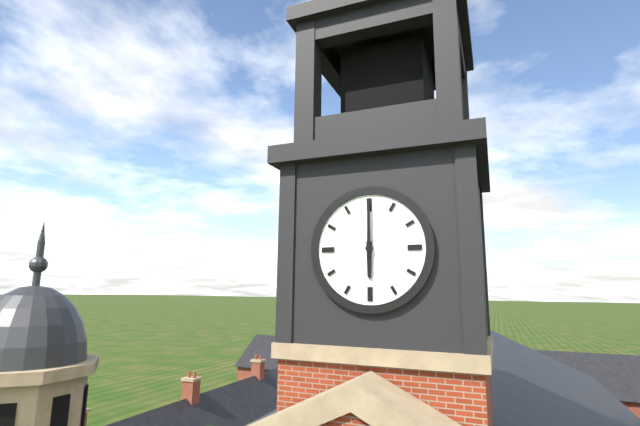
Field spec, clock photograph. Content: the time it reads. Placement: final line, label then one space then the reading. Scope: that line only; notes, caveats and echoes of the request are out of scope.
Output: 6:00
